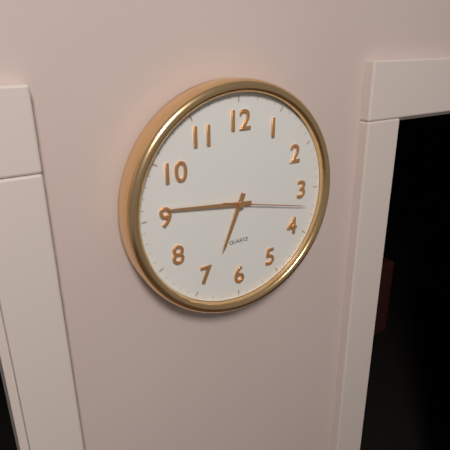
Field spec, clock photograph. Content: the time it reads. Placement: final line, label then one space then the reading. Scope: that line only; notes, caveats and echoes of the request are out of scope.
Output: 6:46:17
